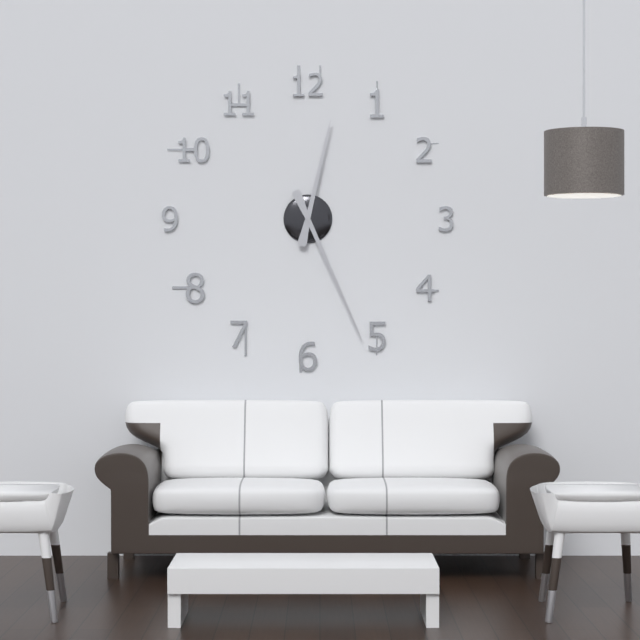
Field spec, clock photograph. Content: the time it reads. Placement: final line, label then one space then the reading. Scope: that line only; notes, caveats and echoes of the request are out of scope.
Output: 12:26
